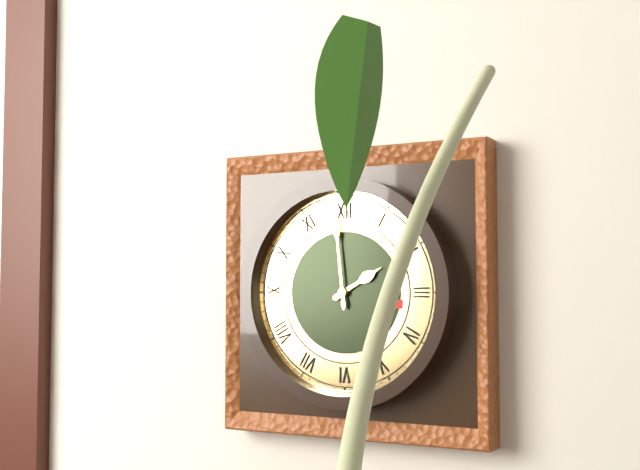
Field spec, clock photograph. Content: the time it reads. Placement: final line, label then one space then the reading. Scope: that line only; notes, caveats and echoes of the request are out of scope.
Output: 1:59
